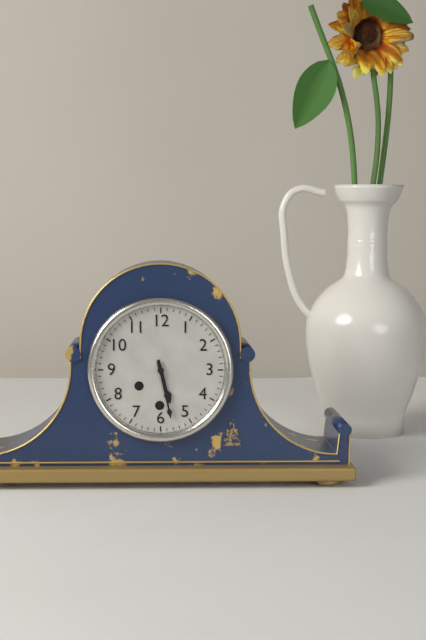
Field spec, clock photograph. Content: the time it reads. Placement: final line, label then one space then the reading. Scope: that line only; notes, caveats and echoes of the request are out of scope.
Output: 5:28
